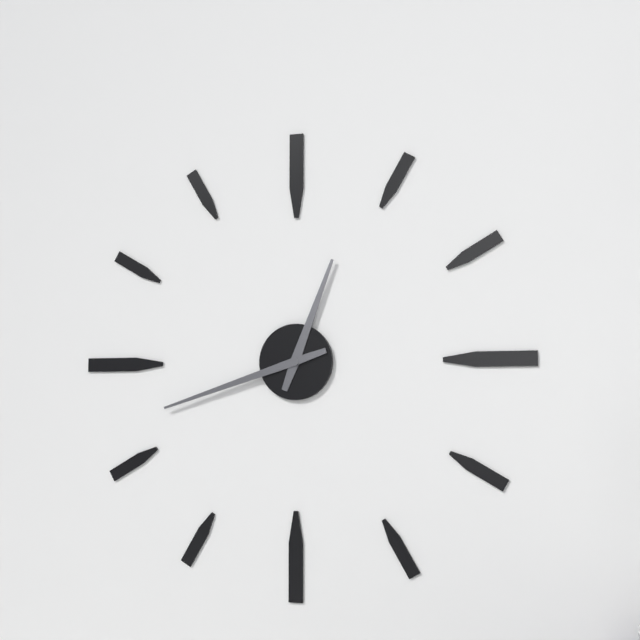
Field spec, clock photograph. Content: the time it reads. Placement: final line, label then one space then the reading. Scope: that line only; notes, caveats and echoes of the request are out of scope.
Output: 12:42
